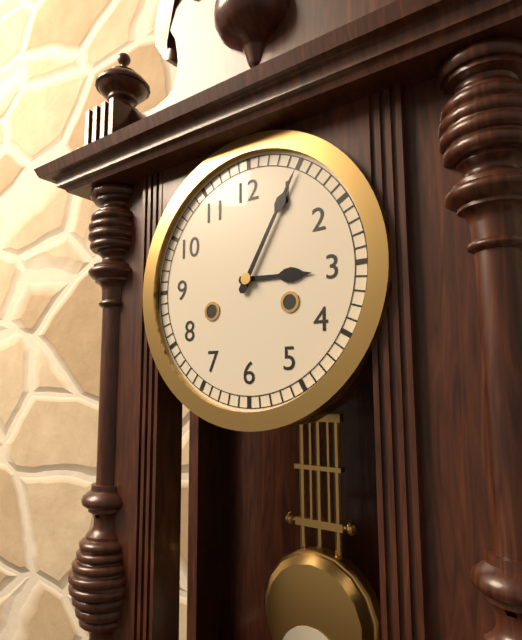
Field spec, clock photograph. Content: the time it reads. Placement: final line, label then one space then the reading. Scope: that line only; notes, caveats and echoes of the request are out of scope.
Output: 3:05
